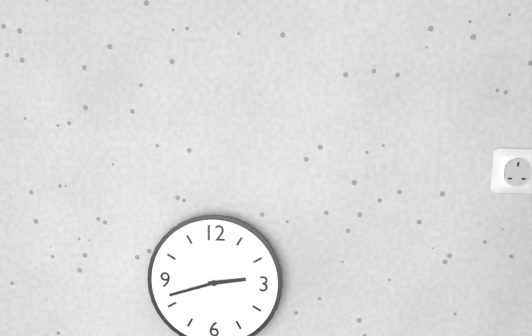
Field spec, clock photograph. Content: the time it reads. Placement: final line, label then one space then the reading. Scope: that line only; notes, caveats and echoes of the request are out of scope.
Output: 2:42
